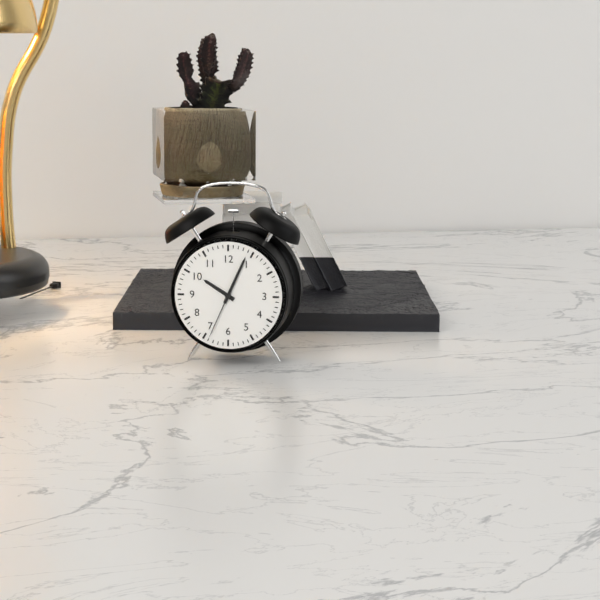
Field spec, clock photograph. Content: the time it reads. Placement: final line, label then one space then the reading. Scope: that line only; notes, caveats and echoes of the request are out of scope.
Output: 10:04:34
